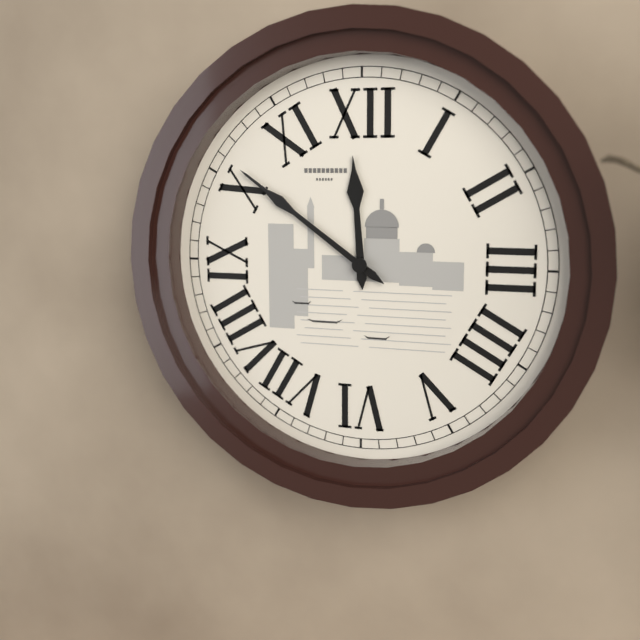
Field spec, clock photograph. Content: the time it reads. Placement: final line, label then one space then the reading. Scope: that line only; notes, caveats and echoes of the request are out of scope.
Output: 11:51
